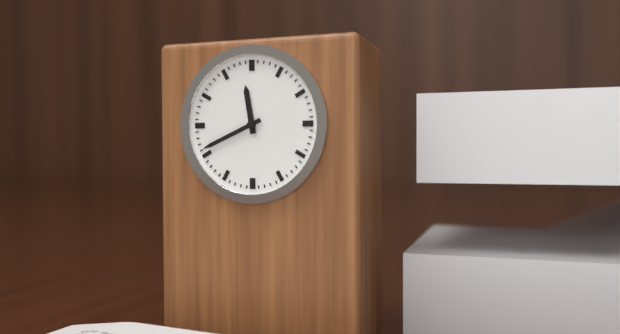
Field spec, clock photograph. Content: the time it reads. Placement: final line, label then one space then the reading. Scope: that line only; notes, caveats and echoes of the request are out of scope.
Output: 11:41
